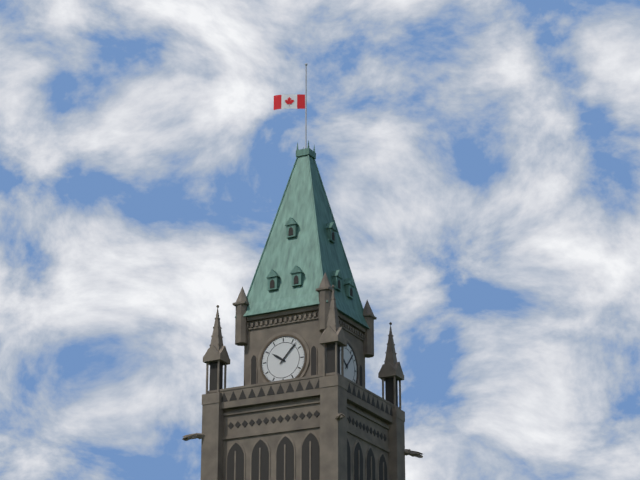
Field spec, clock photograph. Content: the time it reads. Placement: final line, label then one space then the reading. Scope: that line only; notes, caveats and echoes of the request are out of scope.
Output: 10:07
